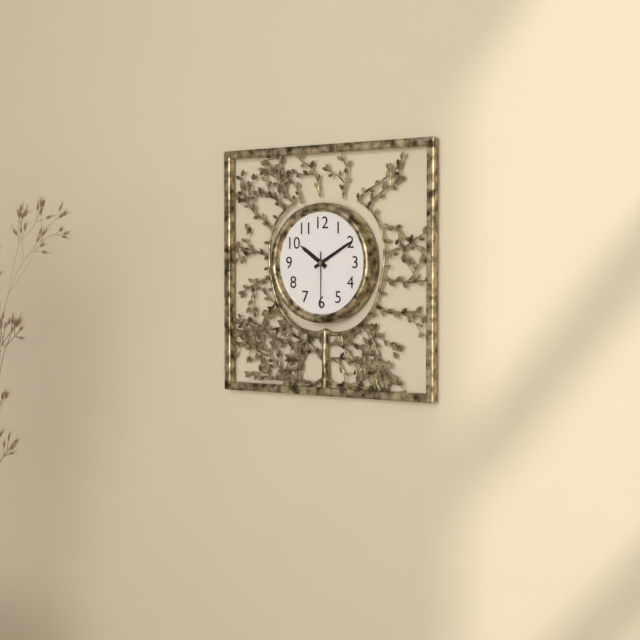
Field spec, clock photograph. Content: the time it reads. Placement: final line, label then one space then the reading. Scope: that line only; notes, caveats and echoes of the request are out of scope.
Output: 10:10:30
